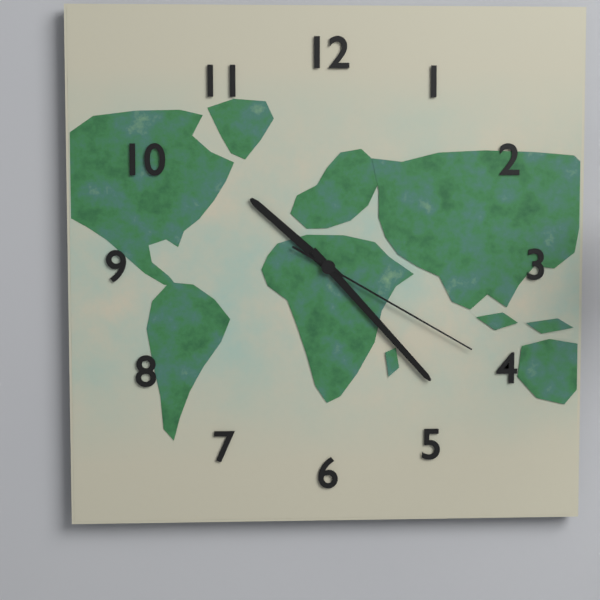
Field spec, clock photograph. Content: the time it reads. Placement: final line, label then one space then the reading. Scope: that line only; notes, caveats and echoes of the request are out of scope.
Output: 10:23:20
